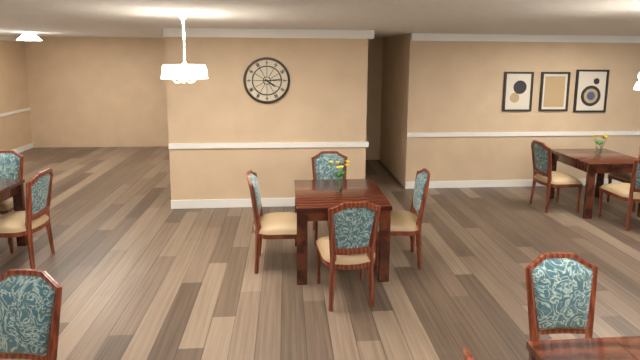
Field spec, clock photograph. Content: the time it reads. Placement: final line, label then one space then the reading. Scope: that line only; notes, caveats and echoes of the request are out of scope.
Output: 4:14
